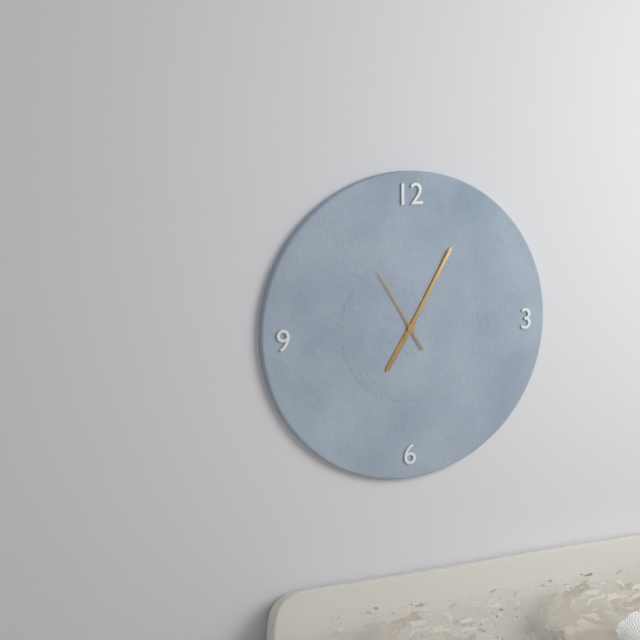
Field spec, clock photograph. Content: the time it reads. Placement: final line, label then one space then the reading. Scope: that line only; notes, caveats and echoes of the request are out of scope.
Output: 7:05:55
